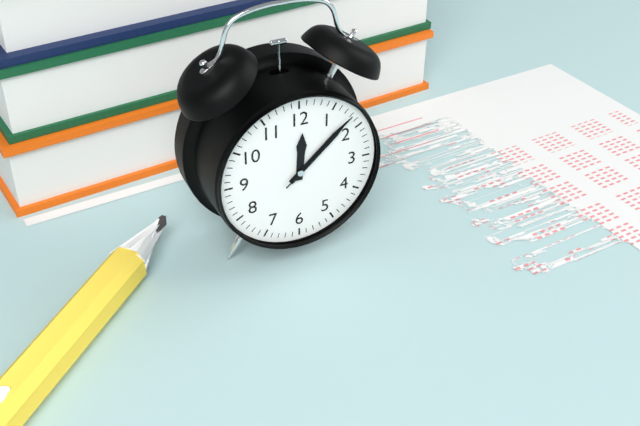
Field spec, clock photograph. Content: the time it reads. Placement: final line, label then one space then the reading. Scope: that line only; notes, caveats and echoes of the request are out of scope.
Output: 12:08:08
